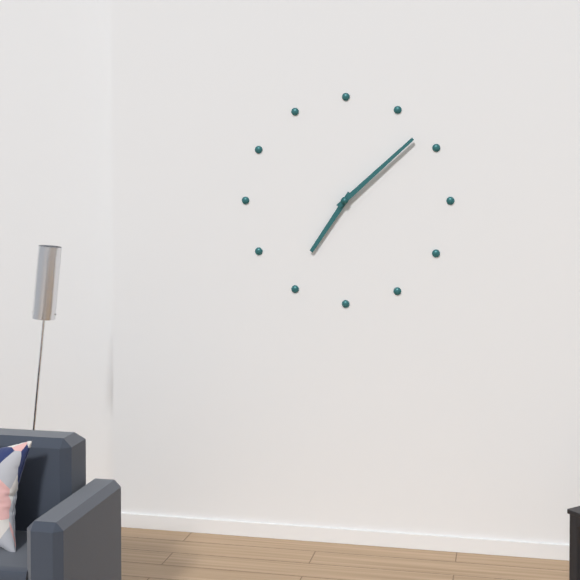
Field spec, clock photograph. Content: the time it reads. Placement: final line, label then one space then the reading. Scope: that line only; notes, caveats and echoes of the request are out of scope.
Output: 7:08
